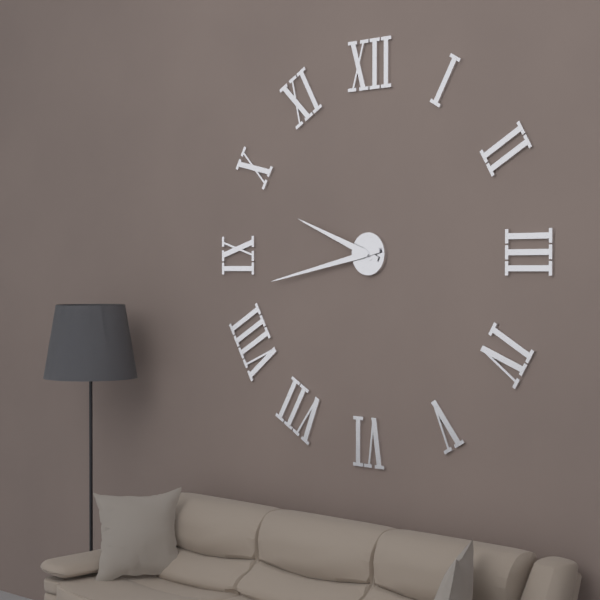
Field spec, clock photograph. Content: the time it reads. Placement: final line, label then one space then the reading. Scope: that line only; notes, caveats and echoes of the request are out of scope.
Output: 9:43
